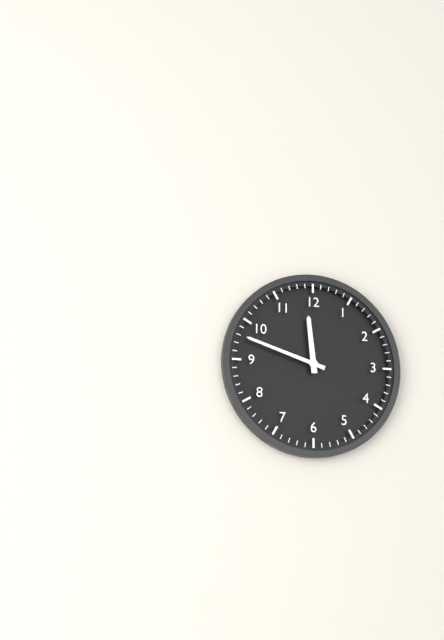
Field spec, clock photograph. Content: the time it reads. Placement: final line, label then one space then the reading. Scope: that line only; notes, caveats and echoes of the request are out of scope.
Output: 11:48
